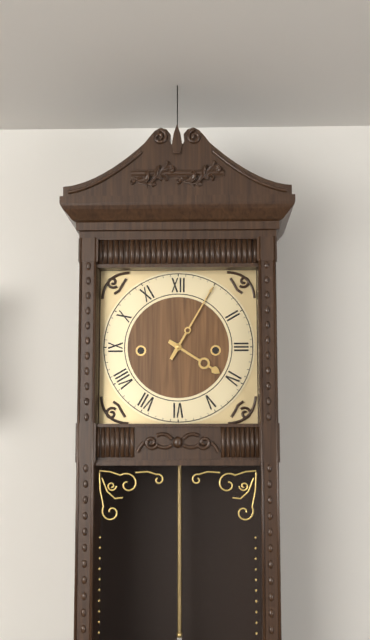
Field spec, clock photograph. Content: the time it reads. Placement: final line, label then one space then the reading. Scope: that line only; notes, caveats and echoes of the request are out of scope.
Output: 4:05
